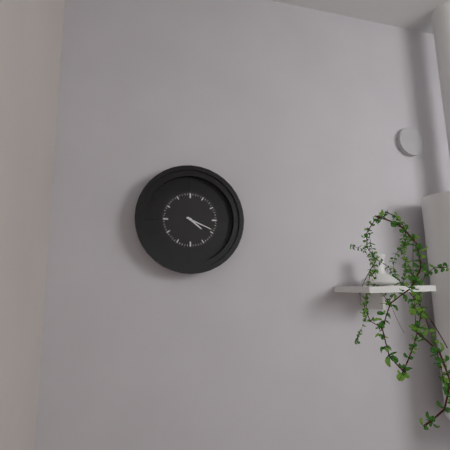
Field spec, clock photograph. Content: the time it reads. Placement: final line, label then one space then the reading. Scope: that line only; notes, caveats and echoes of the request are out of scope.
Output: 4:19
